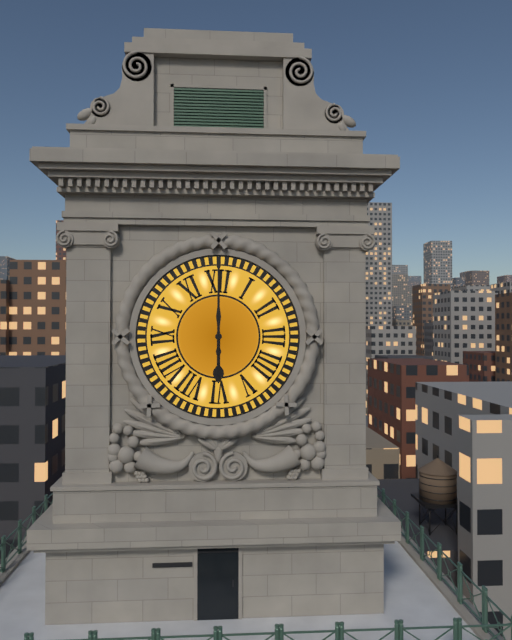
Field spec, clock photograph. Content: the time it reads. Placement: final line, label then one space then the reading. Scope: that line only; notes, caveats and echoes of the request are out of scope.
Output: 6:00
